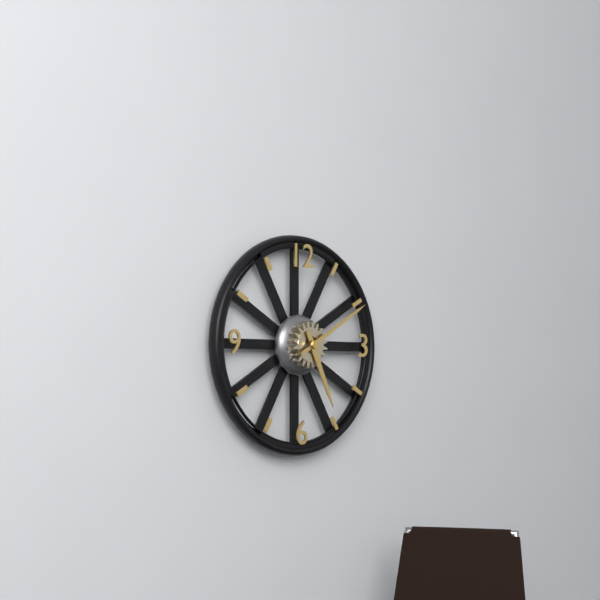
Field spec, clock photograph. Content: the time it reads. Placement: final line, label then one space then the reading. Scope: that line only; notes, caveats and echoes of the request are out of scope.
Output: 5:10
